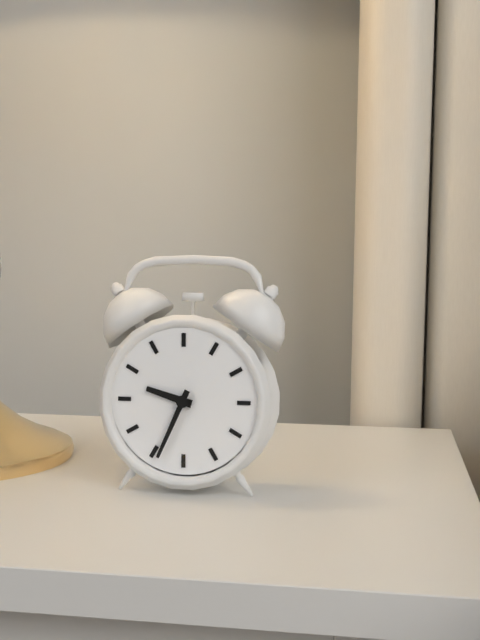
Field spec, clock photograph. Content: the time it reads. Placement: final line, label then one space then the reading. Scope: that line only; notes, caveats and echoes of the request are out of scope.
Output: 9:34
